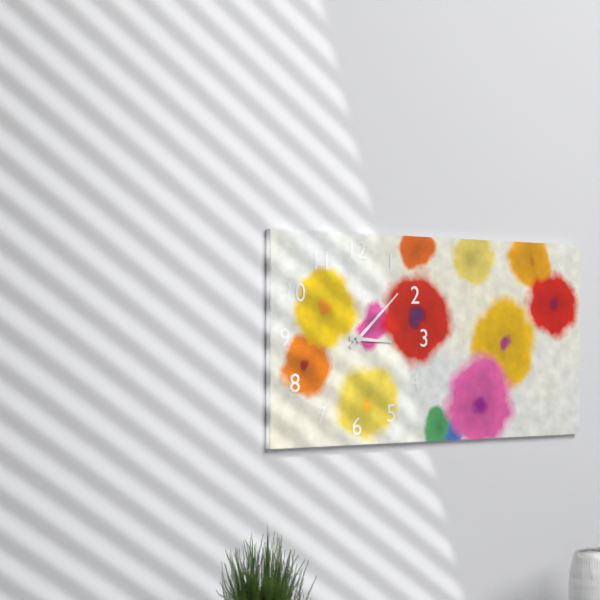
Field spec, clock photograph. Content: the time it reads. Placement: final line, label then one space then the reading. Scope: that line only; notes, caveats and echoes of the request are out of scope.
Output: 3:08
